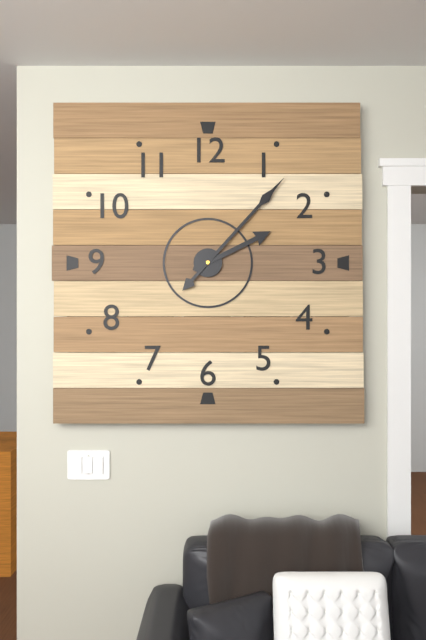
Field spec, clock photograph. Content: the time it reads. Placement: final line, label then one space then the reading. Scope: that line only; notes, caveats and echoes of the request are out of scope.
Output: 2:07
